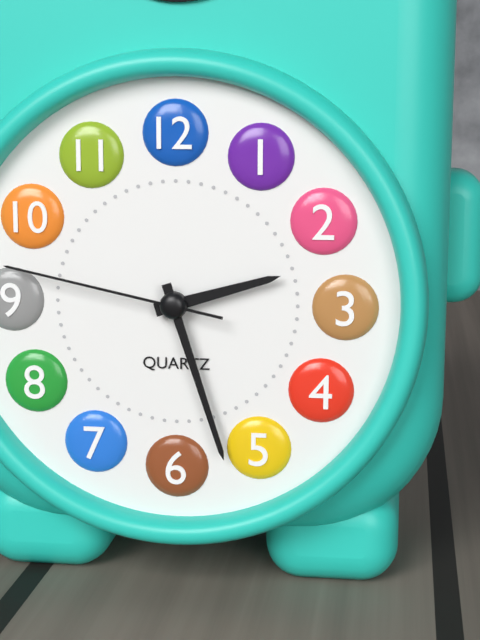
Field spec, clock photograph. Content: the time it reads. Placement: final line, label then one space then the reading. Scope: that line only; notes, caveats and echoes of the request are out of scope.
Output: 2:27:47
